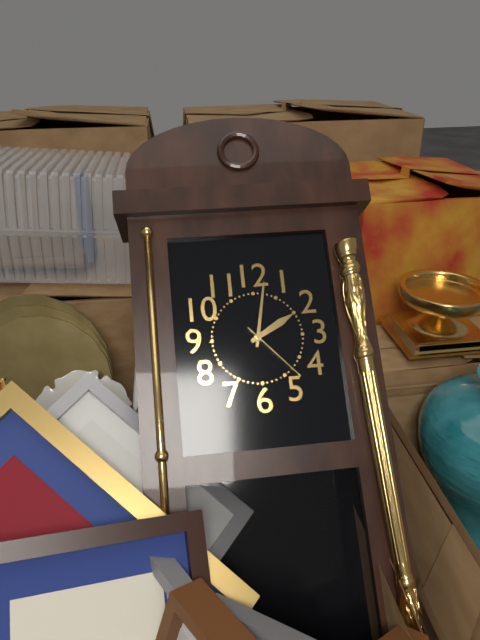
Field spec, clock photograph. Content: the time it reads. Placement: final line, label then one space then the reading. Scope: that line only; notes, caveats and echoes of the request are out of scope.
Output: 2:02:23
